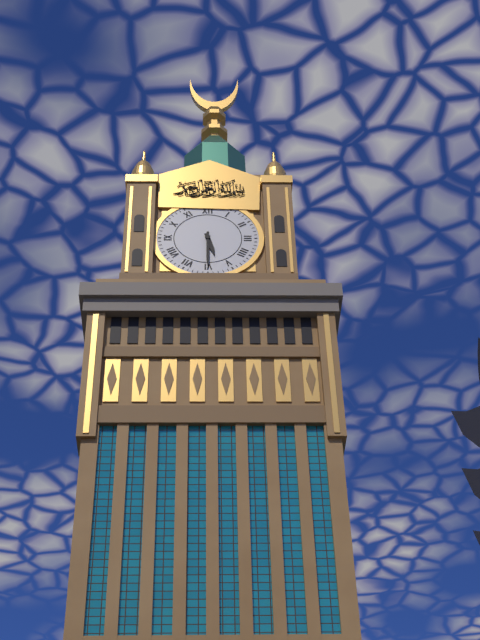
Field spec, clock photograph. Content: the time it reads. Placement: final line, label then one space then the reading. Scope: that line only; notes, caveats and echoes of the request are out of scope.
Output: 5:30
